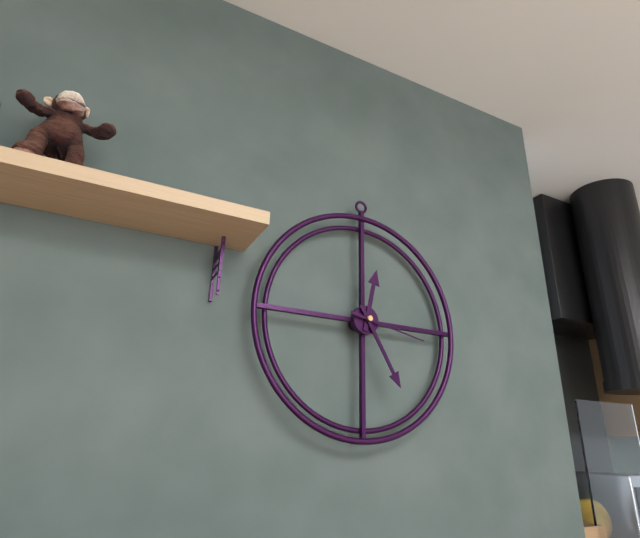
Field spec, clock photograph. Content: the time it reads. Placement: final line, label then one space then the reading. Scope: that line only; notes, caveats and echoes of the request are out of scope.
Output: 12:25:17
